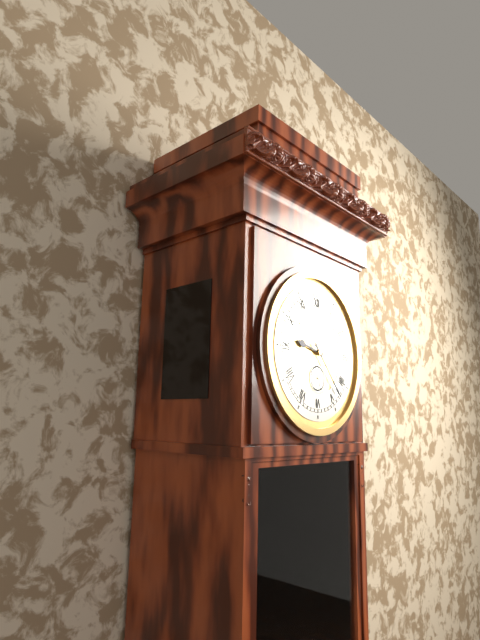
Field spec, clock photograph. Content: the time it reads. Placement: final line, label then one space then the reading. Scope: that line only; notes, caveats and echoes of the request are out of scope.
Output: 9:23
